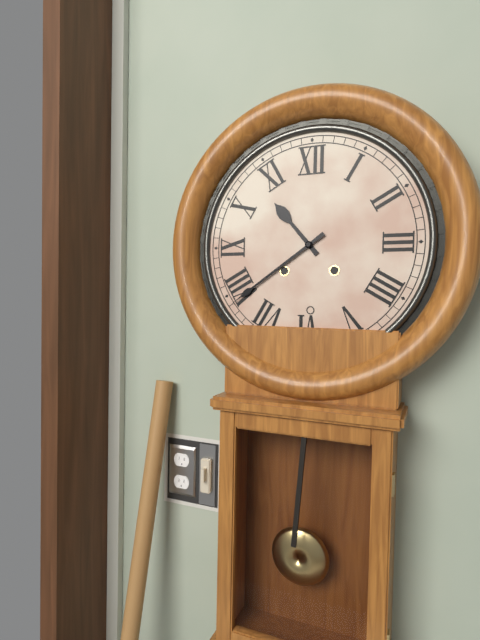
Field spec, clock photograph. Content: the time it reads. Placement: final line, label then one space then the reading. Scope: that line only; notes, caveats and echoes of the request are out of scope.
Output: 10:39
